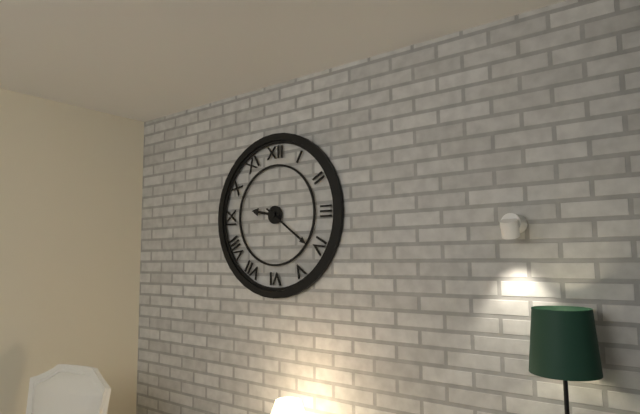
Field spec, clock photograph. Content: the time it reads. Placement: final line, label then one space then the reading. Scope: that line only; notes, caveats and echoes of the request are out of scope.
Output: 9:21
